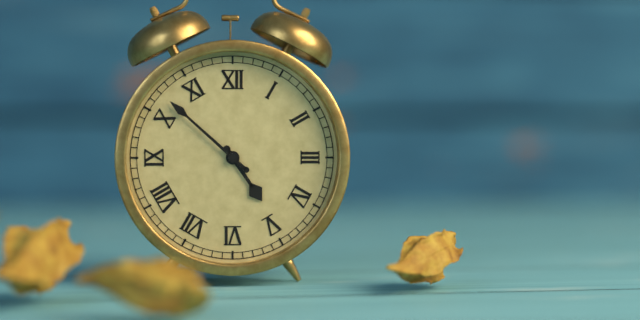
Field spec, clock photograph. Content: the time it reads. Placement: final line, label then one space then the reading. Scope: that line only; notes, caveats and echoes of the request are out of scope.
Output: 4:52
